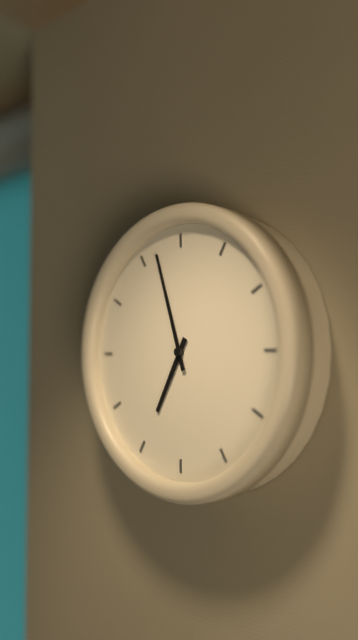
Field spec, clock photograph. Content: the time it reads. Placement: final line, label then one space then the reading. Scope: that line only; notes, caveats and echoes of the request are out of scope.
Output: 6:57
